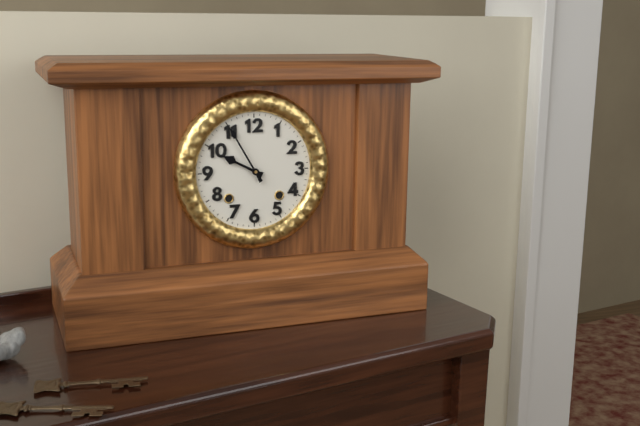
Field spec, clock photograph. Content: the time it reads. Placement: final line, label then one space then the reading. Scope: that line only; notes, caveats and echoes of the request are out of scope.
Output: 9:55
